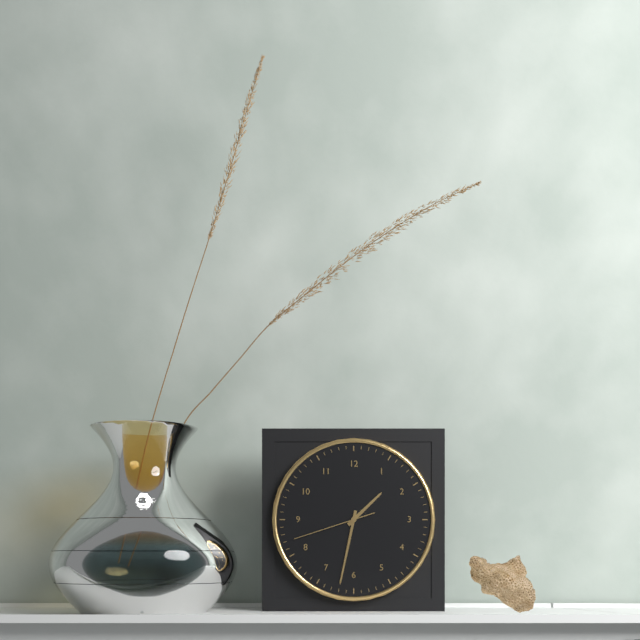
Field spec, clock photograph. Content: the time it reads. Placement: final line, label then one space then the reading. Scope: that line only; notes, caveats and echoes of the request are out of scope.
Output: 1:32:42
